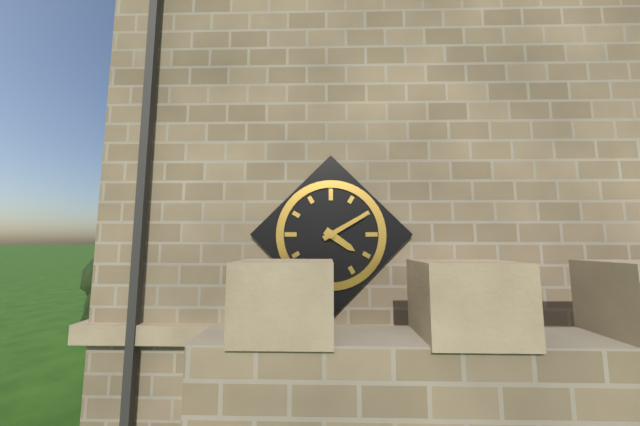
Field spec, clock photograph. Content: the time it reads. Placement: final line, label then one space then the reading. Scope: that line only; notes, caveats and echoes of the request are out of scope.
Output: 4:10
